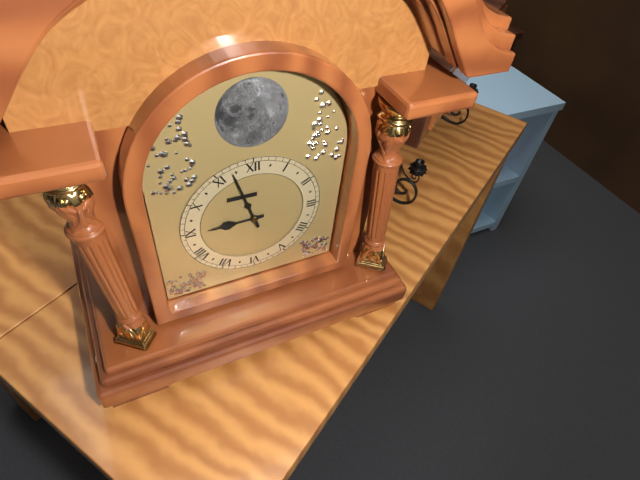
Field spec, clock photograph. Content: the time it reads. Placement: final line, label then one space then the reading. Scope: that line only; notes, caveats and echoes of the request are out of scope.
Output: 8:57
